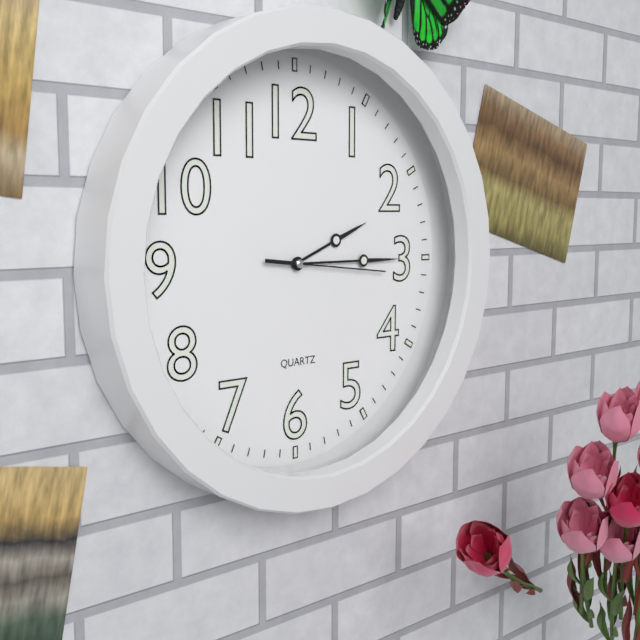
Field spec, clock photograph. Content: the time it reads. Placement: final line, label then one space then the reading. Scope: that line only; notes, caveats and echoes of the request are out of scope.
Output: 2:15:16
